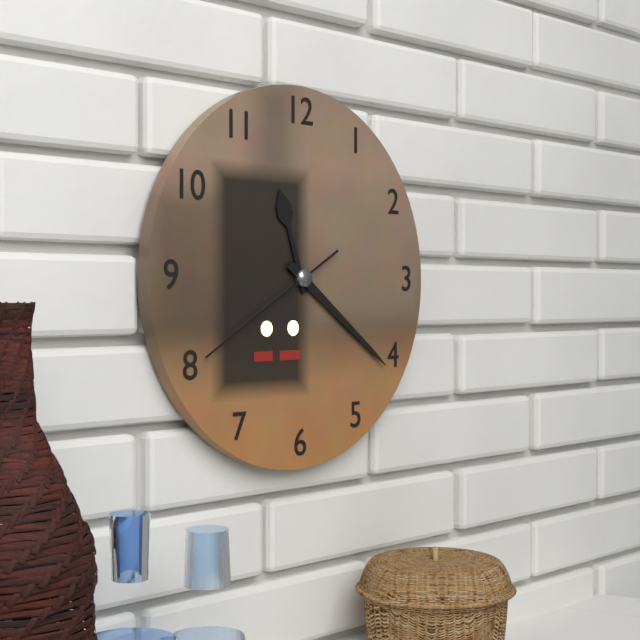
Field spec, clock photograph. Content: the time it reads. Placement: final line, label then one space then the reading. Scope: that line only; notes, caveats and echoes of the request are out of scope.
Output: 11:21:40
